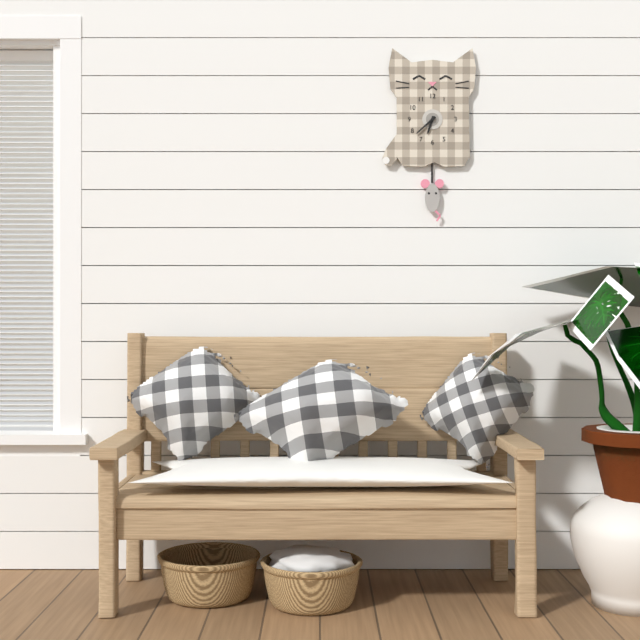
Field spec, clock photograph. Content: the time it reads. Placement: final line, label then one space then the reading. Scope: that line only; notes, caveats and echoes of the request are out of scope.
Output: 6:38
